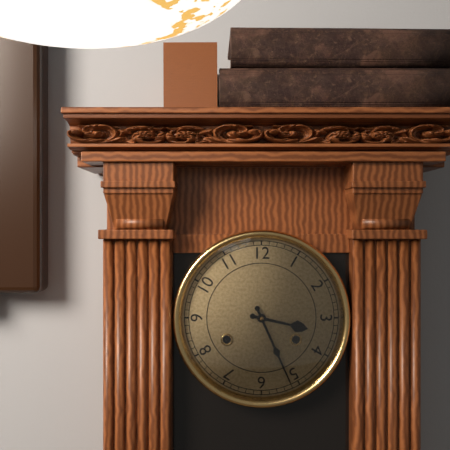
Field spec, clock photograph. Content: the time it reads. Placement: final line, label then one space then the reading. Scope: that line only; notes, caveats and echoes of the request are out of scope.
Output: 3:26
